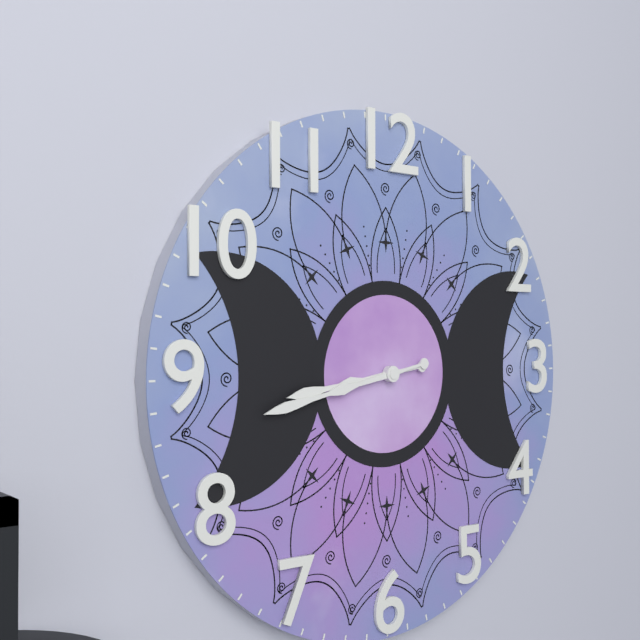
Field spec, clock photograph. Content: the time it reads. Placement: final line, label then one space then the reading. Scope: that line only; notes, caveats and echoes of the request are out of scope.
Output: 8:43
